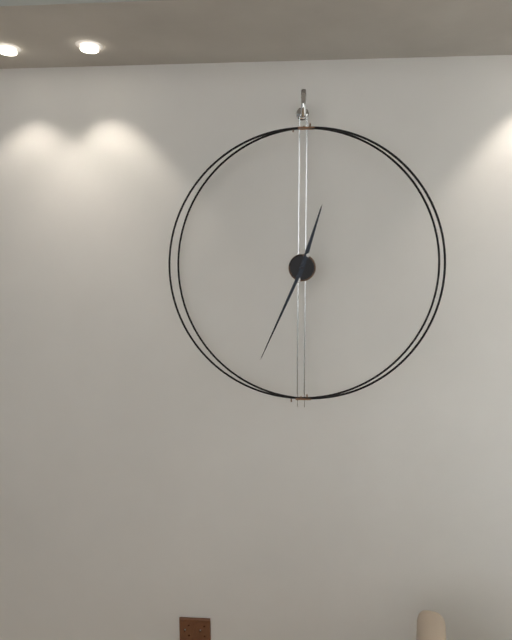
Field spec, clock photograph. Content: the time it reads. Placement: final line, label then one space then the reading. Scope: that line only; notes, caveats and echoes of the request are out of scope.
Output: 12:34
